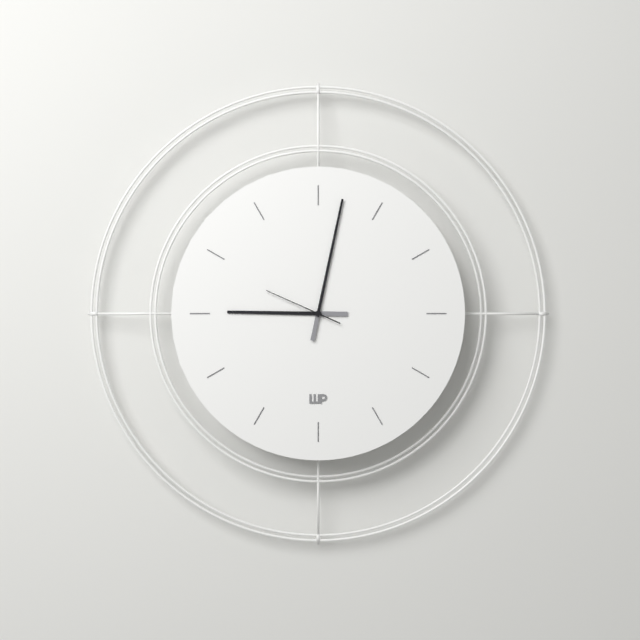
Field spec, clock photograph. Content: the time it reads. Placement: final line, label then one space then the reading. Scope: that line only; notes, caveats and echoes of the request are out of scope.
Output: 9:02:49
